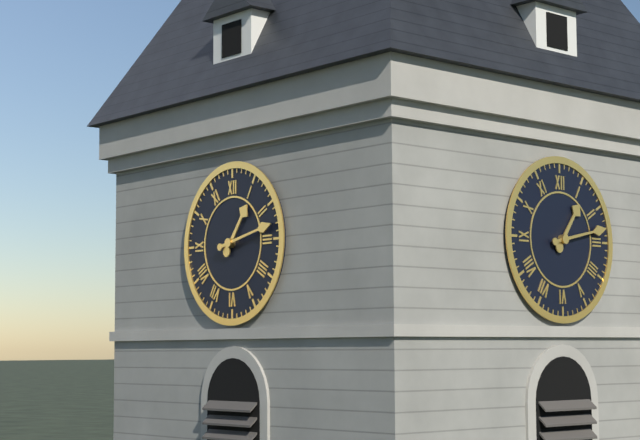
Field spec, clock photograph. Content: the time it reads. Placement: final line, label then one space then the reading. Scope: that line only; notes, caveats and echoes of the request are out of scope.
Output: 1:13
